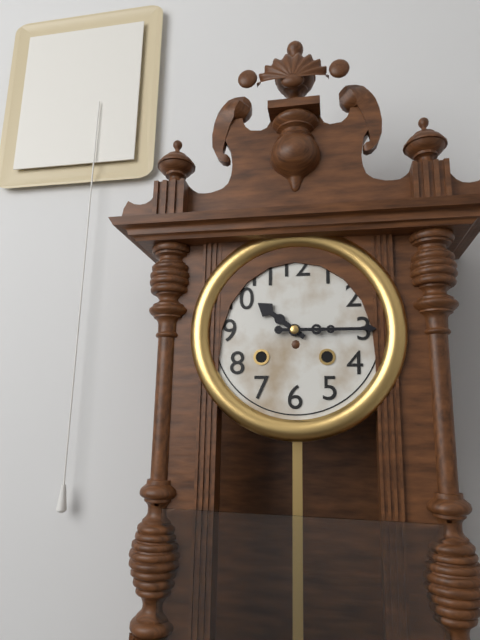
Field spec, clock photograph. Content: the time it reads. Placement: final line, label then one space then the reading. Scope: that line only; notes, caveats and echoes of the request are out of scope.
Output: 10:15
